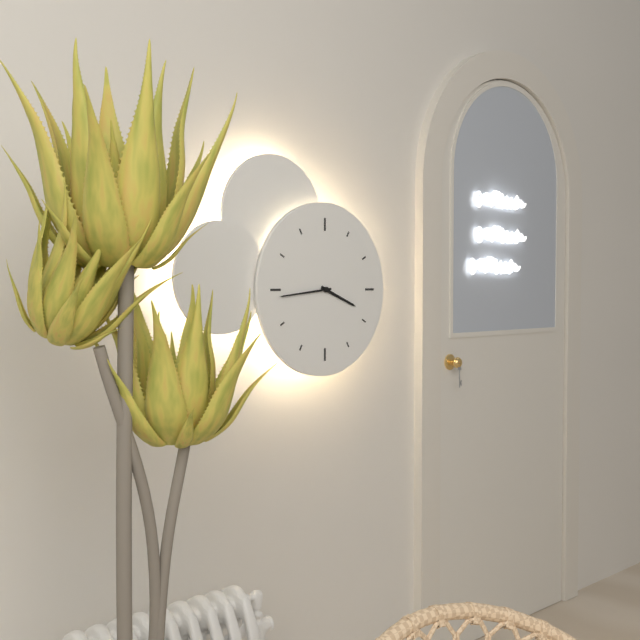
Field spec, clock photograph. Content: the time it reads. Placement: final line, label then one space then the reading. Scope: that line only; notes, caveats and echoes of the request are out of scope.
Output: 3:44
